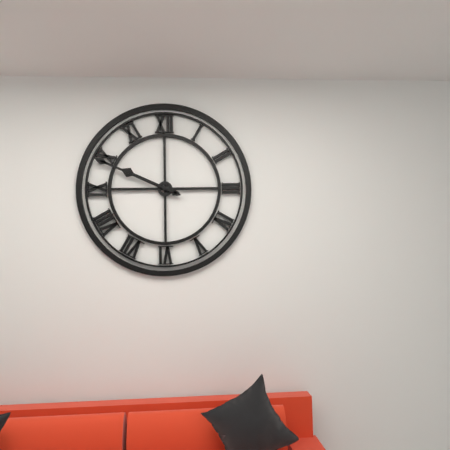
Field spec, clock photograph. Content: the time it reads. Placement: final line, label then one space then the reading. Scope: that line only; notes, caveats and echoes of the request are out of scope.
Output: 9:49
